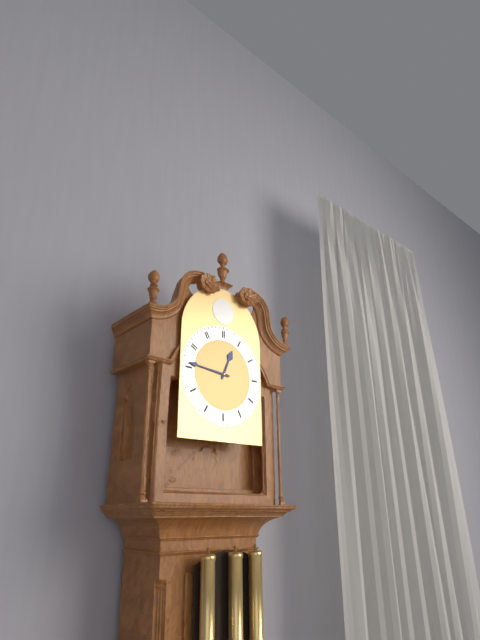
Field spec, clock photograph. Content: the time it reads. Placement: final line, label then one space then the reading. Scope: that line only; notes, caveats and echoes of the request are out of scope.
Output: 12:46
